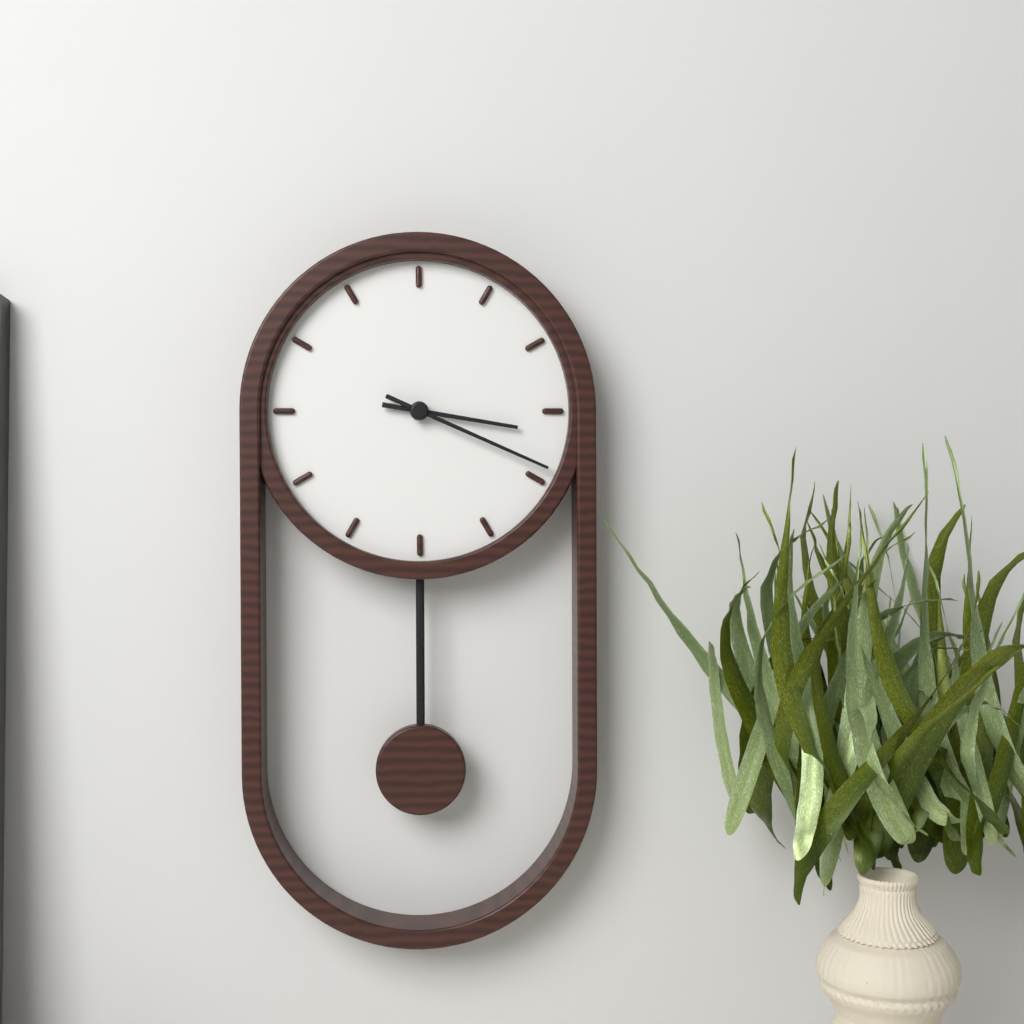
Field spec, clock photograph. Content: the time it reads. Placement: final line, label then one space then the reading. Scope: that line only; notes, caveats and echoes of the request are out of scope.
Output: 3:19
